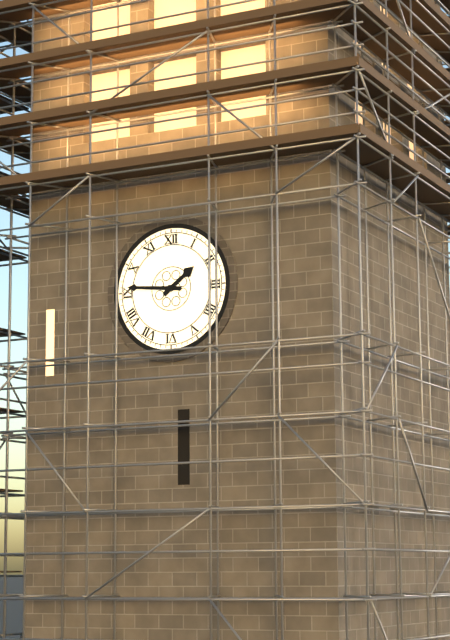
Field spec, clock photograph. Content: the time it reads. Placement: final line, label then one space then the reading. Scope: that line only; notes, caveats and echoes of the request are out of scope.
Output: 1:46
